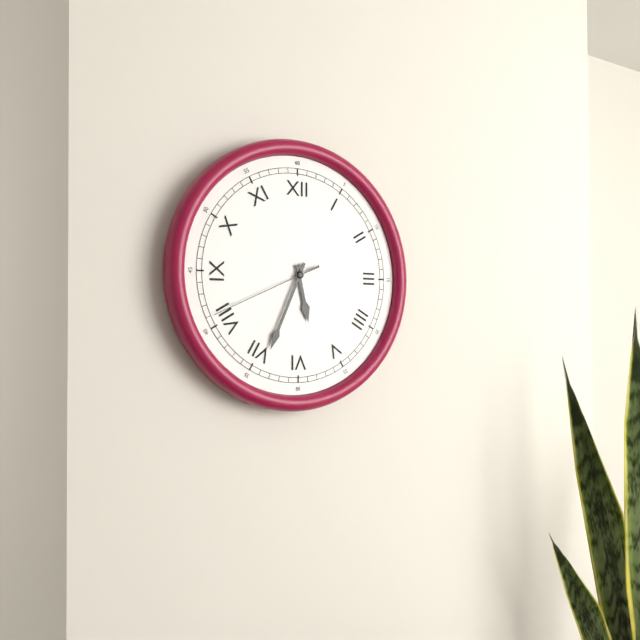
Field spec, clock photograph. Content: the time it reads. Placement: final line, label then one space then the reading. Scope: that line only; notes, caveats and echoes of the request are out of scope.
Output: 5:34:41
